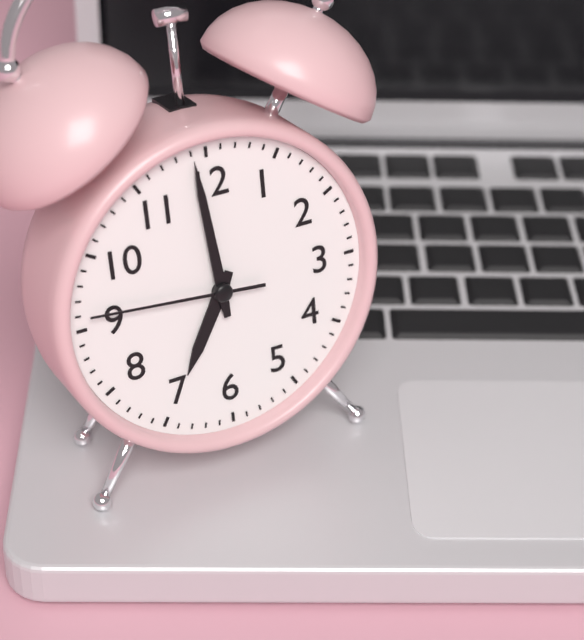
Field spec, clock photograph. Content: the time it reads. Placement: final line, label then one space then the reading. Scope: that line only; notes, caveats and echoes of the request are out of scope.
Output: 6:59:46
